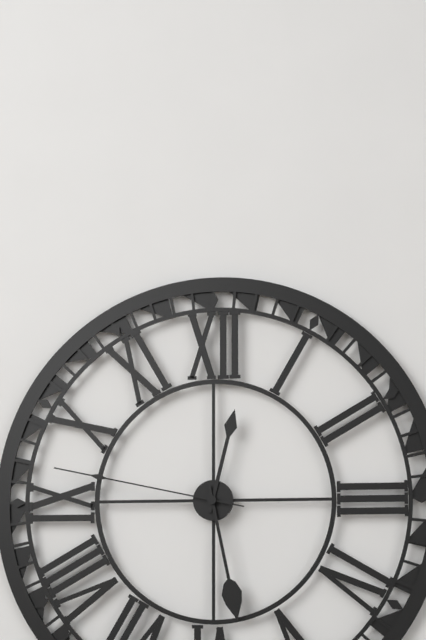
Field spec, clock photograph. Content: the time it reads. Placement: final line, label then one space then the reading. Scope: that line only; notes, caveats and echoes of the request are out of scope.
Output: 12:28:47
